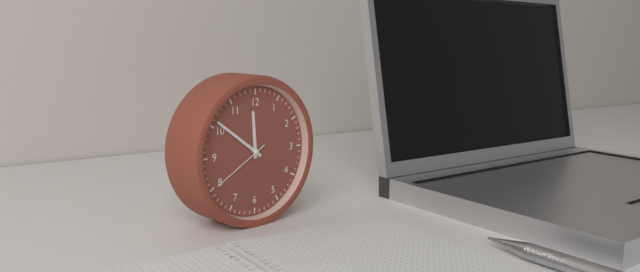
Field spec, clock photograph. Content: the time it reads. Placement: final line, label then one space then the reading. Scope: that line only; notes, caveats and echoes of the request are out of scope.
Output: 11:51:40
